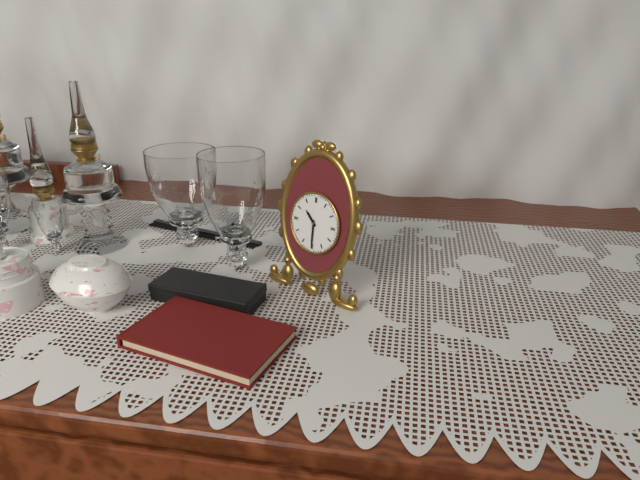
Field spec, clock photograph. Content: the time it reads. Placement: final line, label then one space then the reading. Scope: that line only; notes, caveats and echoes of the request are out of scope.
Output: 10:30
